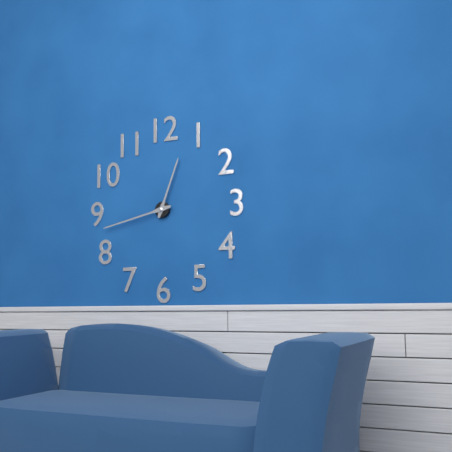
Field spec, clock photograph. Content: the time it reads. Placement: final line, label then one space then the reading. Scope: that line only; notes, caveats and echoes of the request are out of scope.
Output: 12:43
